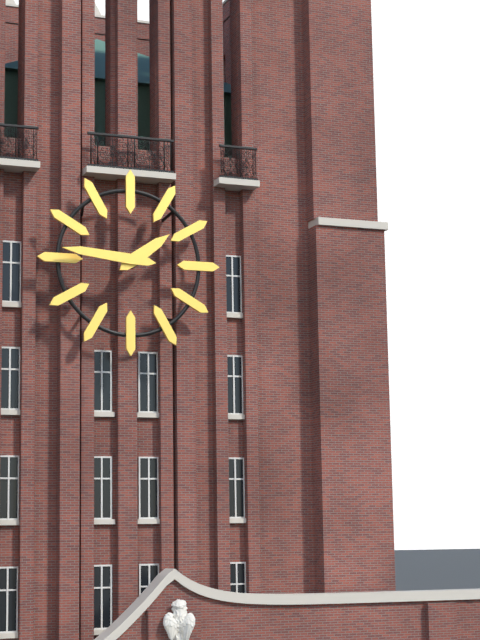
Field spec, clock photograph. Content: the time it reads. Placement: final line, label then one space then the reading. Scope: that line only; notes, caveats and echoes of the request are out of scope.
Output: 1:46
